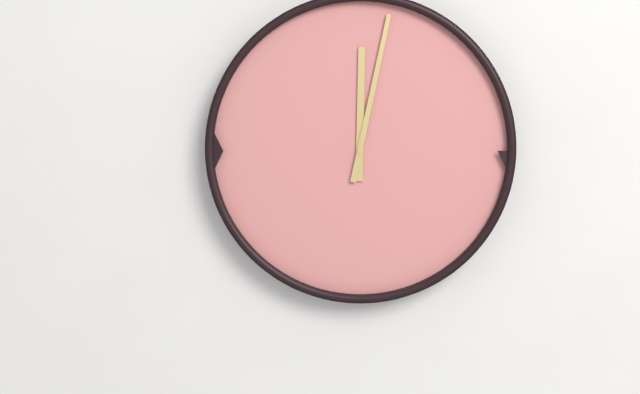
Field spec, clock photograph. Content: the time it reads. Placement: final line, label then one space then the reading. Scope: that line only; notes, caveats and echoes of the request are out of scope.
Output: 12:02
